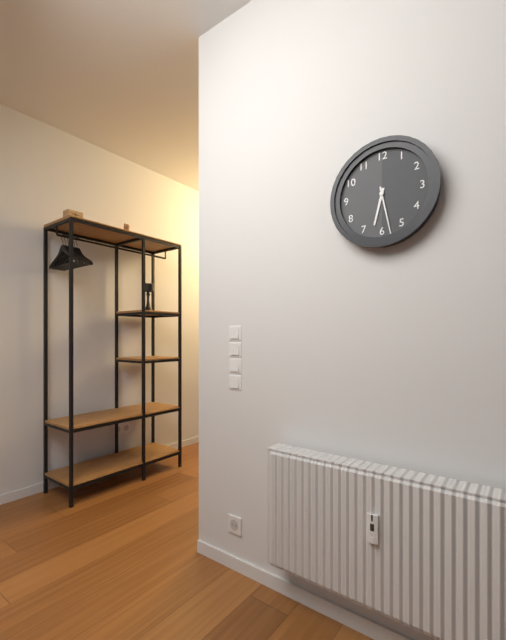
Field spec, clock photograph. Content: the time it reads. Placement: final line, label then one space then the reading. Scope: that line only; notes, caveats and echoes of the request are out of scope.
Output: 6:28
